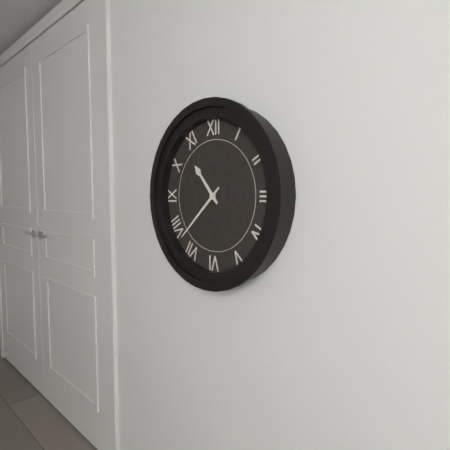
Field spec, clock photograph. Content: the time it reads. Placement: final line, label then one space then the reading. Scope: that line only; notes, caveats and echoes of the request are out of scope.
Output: 10:38
